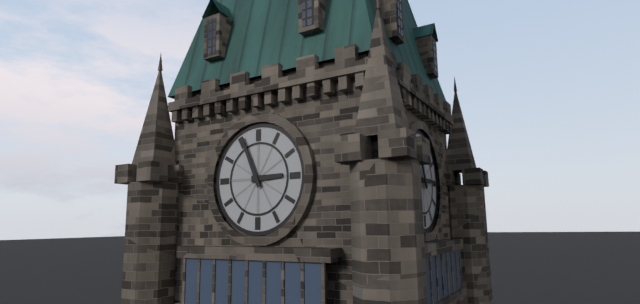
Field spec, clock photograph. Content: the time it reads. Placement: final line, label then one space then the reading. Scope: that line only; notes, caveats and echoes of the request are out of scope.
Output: 2:56
